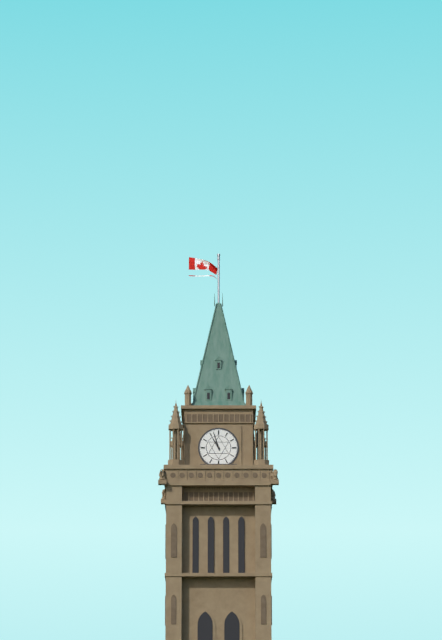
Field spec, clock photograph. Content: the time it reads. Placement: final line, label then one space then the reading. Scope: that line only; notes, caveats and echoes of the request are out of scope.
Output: 10:57
